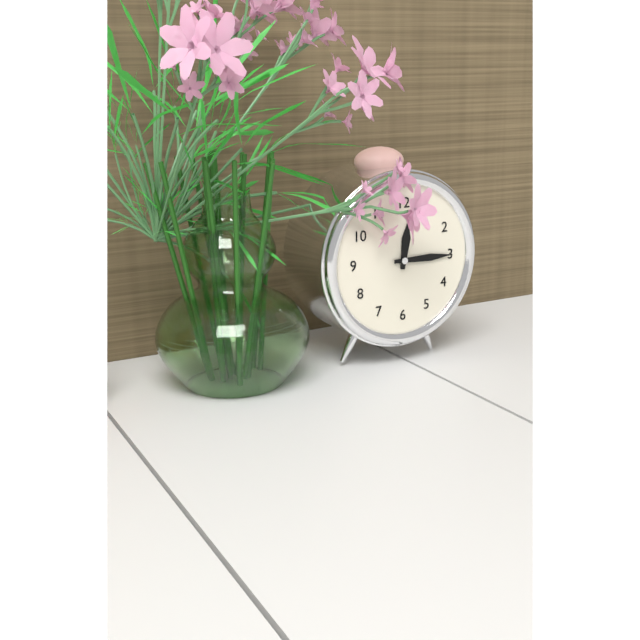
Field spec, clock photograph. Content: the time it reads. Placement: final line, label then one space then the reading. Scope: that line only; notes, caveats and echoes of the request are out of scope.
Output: 12:15
